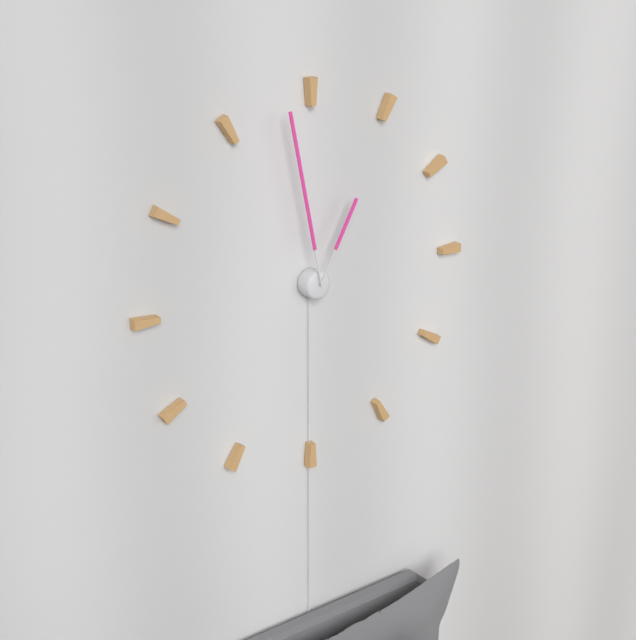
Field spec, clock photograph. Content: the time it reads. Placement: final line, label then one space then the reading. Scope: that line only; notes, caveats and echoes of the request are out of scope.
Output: 12:58
